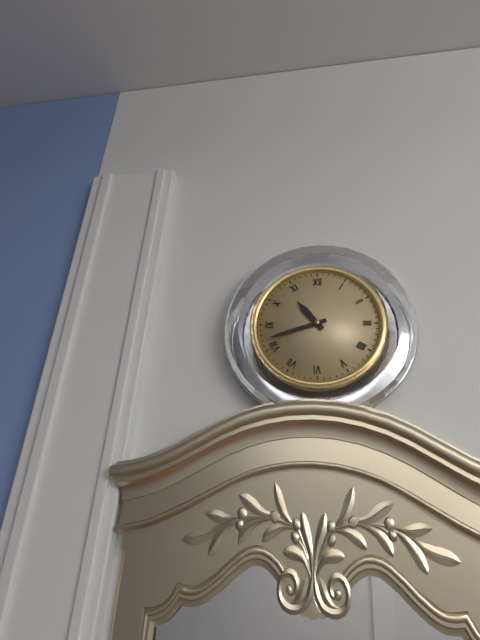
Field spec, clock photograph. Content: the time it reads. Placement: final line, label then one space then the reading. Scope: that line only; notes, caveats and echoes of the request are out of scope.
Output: 10:42
